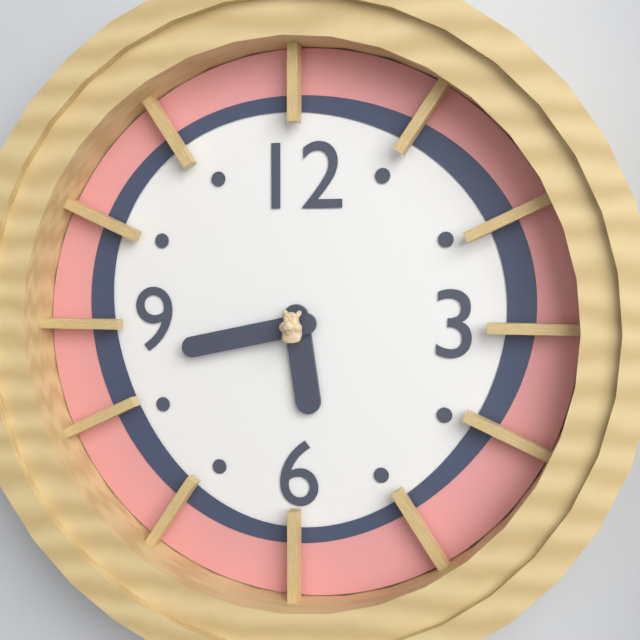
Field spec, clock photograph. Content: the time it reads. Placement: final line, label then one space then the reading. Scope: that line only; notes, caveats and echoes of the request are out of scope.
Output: 5:43
